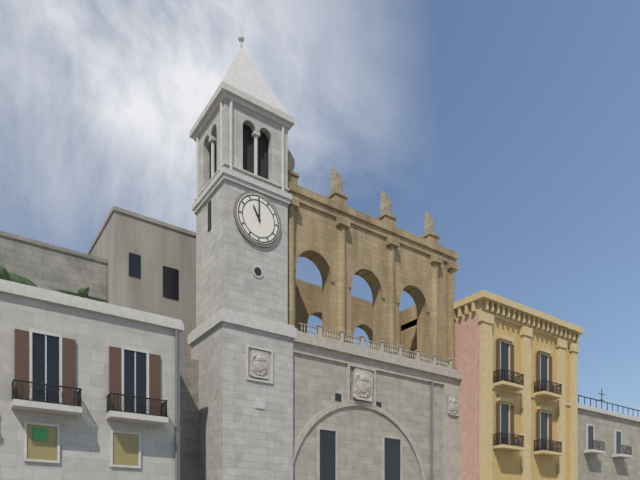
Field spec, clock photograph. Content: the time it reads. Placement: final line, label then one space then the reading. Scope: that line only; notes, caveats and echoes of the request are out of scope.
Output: 11:00
